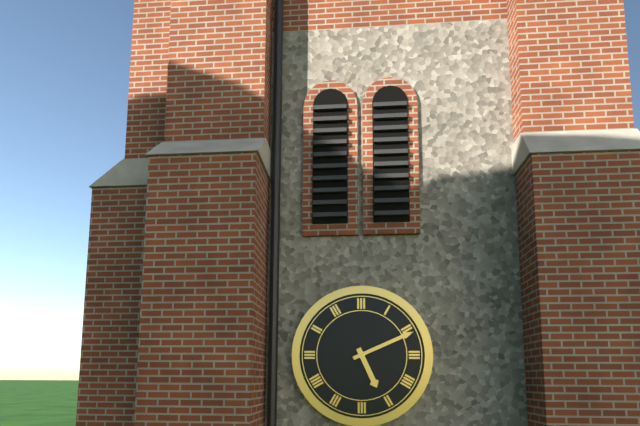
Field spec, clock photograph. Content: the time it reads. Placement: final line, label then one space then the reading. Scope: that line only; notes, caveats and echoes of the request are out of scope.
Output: 5:11
